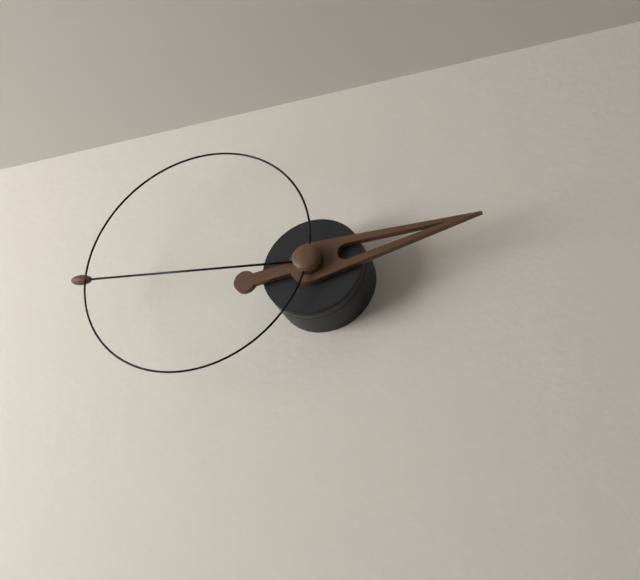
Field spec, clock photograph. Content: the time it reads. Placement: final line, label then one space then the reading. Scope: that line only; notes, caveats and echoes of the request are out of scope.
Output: 2:46:47
